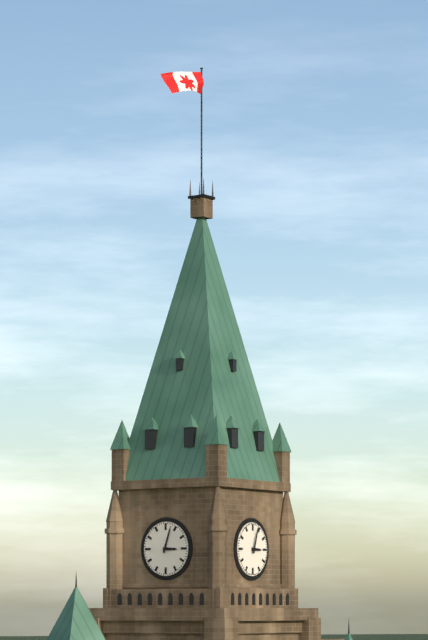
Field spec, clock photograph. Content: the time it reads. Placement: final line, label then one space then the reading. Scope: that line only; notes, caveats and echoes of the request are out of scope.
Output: 3:03
